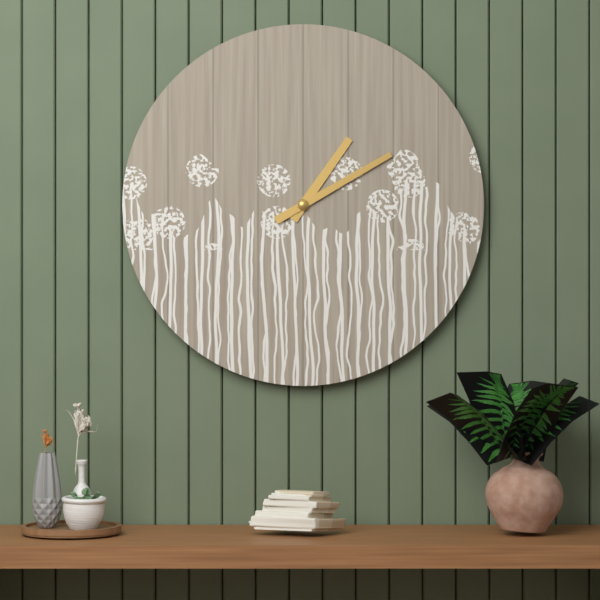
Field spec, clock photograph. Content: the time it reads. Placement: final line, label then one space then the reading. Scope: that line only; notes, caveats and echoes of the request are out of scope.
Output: 1:10
